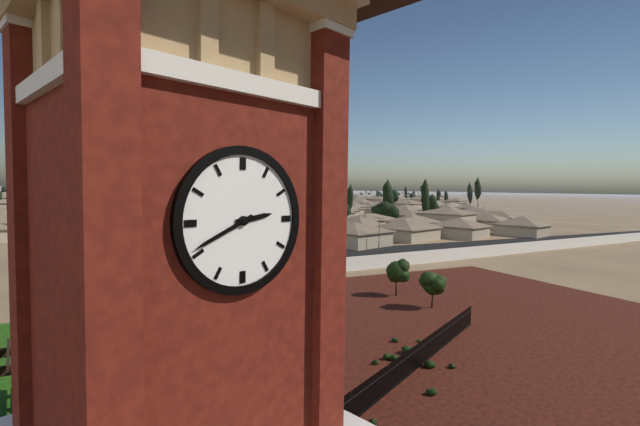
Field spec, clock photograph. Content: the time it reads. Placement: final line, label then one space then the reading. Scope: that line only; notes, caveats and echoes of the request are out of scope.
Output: 2:41
